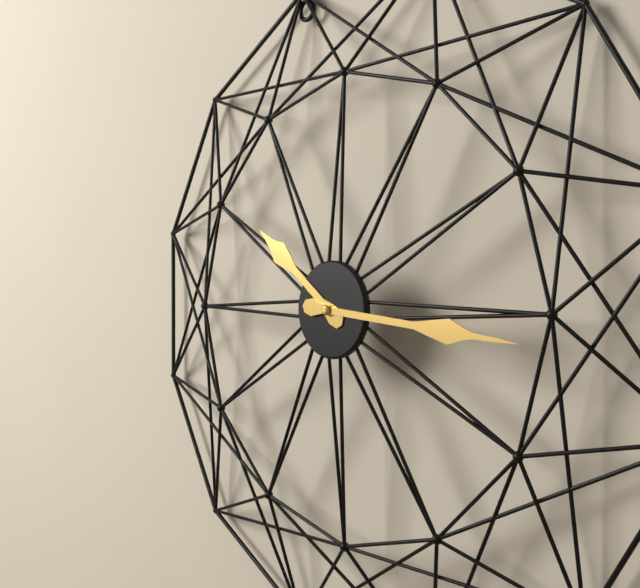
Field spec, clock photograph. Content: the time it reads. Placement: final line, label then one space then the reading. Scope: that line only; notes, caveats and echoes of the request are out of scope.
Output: 10:16
